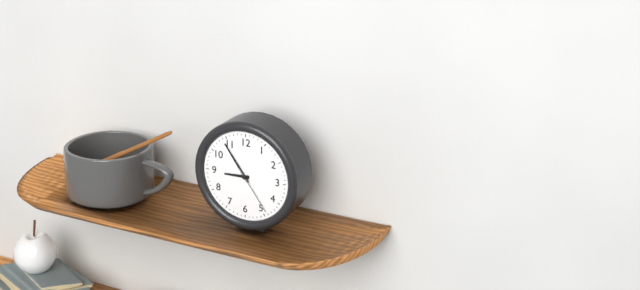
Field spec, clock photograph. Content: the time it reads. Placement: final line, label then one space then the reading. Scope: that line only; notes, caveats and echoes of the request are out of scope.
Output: 8:54:24
